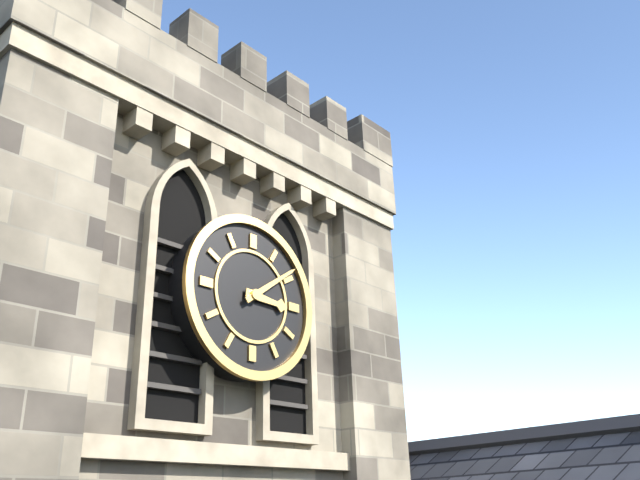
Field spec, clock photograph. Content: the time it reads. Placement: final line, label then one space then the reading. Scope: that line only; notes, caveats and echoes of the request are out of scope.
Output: 3:09
